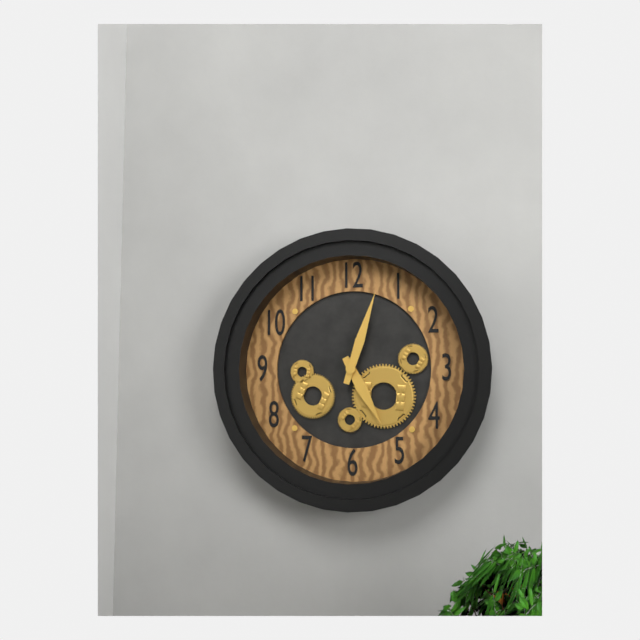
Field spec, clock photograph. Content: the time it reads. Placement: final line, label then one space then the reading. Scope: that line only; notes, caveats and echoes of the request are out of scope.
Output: 5:03
